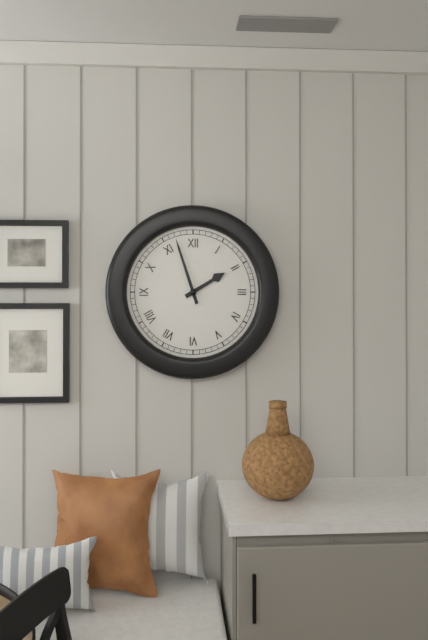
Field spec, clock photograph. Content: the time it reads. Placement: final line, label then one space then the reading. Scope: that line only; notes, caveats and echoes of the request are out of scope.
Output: 1:57
